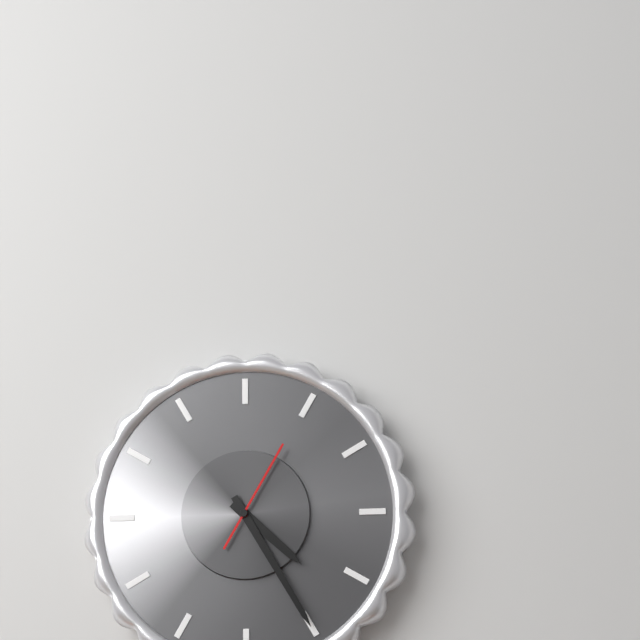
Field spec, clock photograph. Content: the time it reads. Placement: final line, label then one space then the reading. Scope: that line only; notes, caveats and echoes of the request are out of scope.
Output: 4:25:05
